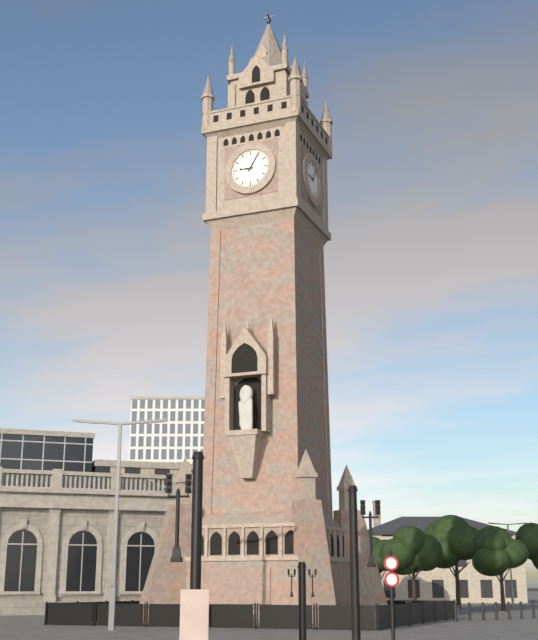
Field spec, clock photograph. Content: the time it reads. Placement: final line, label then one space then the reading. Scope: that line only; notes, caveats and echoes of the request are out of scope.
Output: 9:05
